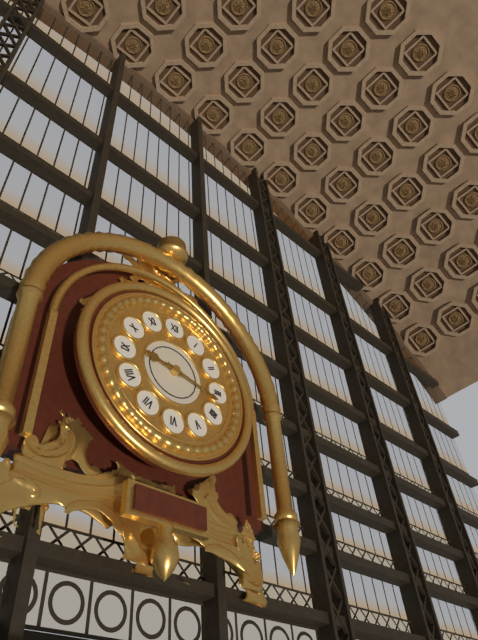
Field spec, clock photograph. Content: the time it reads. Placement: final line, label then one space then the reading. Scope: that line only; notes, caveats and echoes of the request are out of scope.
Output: 9:17
